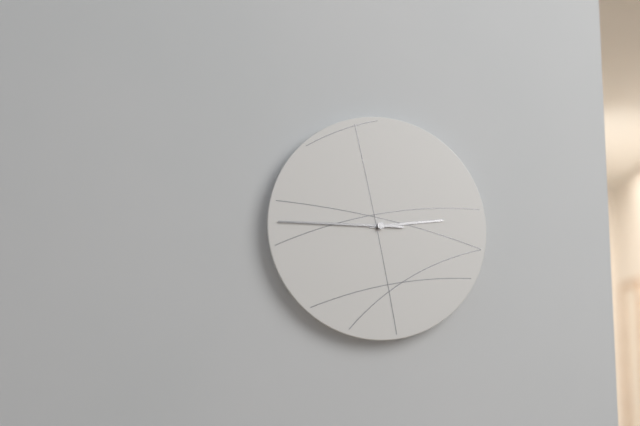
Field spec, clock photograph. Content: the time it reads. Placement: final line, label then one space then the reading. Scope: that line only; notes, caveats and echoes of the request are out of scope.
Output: 2:45
